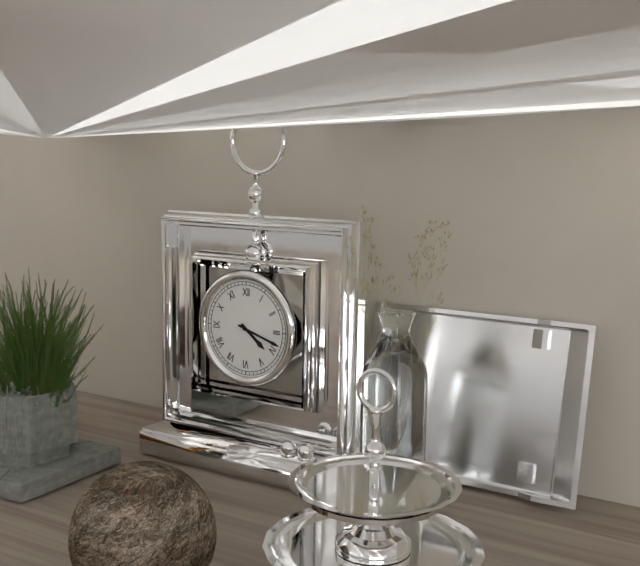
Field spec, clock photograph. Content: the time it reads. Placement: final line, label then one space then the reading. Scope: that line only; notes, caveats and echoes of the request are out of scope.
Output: 4:18
